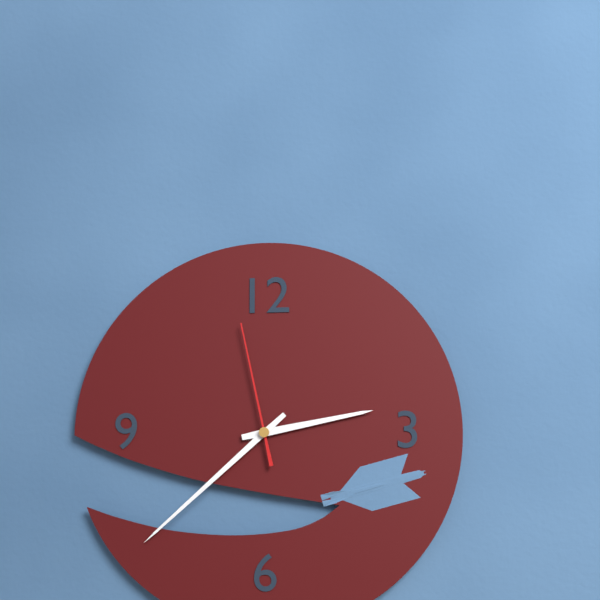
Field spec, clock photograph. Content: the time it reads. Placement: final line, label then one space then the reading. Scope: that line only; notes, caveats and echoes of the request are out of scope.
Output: 2:38:58
